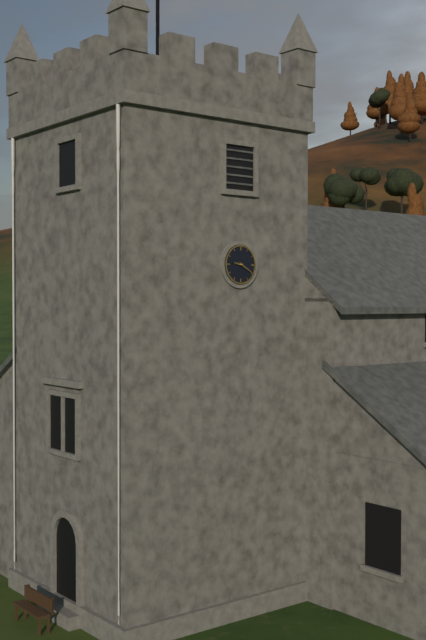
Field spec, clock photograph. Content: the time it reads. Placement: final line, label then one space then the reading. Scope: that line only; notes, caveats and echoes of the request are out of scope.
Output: 9:20
